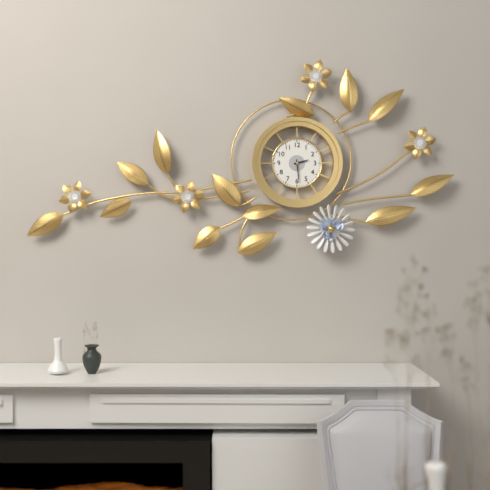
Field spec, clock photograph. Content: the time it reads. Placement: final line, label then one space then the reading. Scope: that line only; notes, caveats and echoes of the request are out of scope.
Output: 2:29
